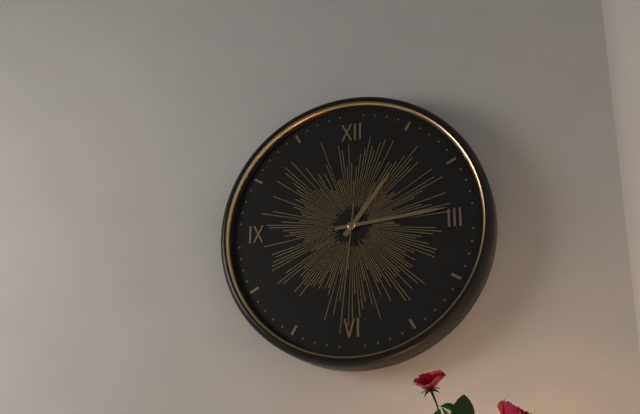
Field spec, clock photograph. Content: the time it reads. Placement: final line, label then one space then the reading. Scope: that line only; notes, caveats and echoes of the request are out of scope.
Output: 1:14:31
